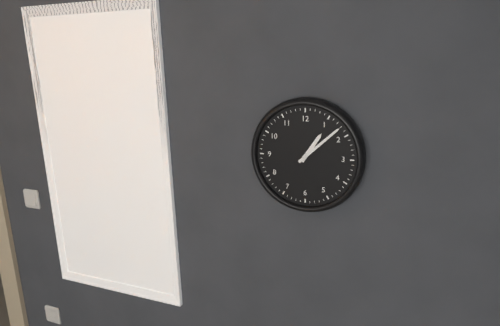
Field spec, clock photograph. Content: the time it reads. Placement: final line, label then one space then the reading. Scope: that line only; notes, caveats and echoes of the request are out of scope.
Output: 1:08
